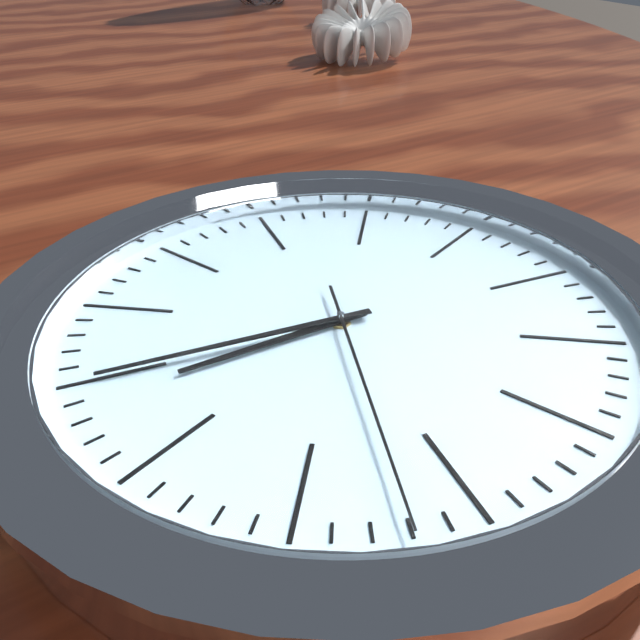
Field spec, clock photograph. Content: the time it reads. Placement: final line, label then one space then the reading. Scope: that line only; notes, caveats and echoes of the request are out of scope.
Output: 8:45:32
